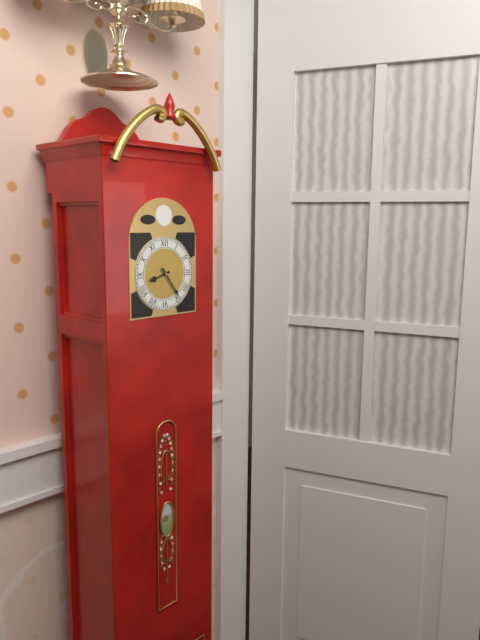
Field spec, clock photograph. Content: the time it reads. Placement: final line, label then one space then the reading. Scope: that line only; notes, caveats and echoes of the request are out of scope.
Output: 8:24
